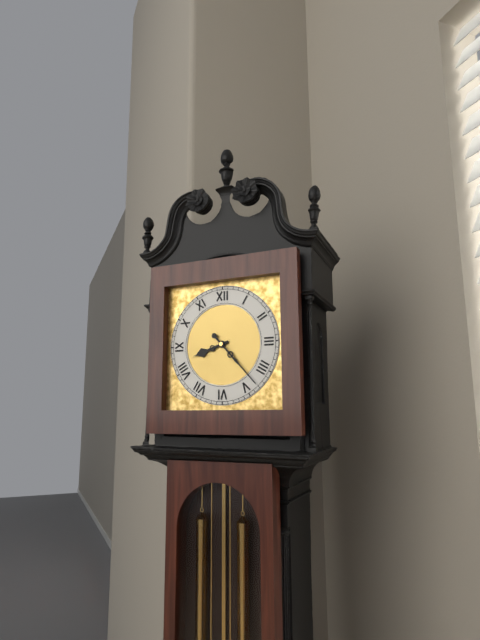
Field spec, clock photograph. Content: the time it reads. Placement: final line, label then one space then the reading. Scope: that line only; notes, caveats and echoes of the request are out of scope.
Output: 8:23
